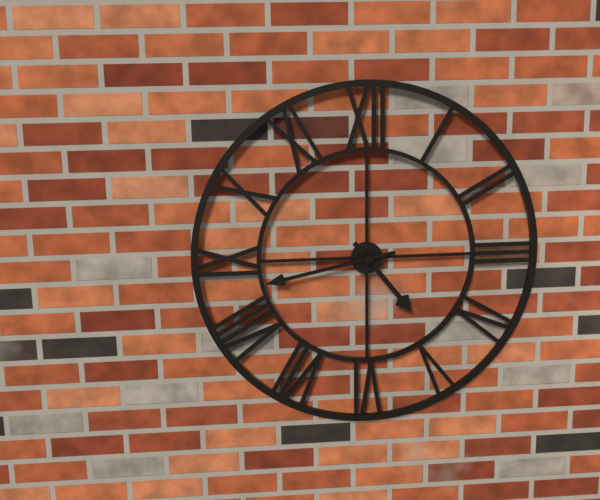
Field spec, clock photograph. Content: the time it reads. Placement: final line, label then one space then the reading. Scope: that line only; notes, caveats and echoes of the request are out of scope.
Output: 4:43
